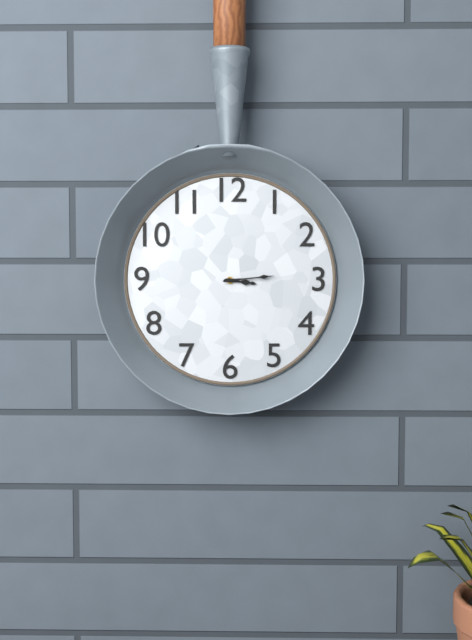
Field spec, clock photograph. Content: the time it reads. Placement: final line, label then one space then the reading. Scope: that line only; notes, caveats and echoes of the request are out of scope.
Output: 3:14
